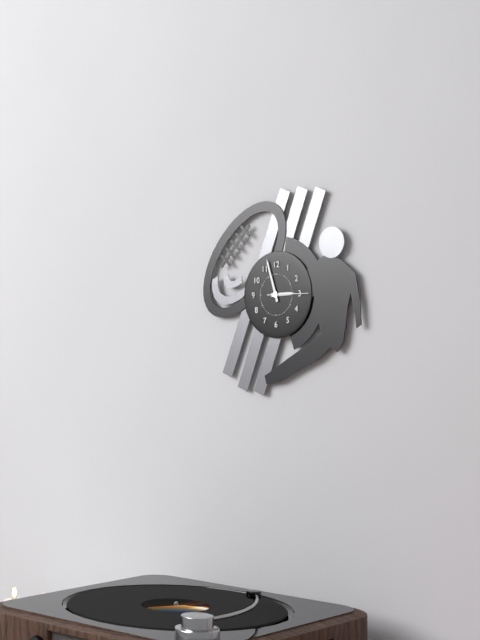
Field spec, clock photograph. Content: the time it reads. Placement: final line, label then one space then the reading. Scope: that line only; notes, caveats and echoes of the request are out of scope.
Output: 2:57
